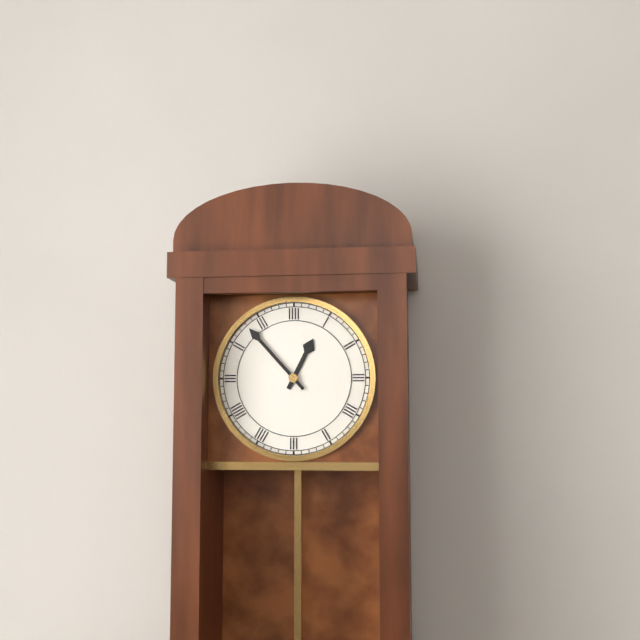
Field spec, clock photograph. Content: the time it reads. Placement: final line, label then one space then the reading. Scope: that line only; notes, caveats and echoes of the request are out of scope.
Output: 12:53
